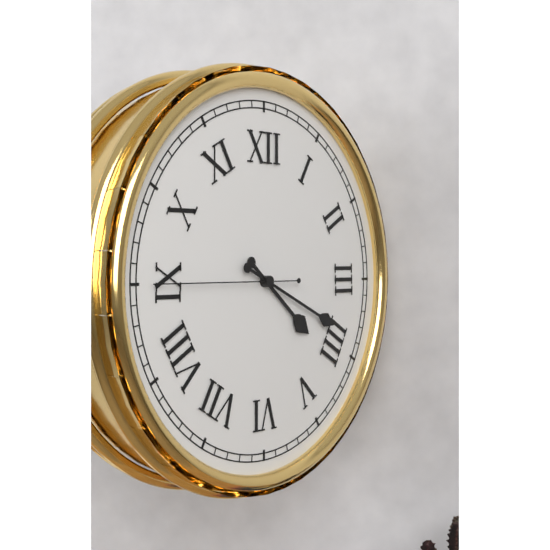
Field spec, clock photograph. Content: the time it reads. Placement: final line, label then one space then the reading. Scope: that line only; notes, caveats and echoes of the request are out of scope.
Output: 4:19:45
